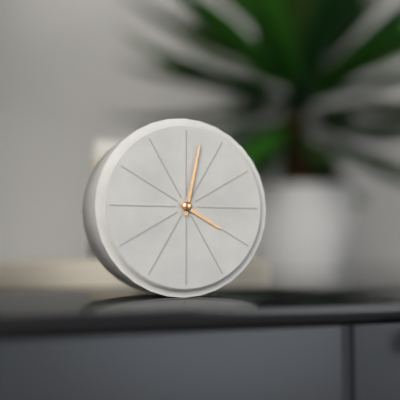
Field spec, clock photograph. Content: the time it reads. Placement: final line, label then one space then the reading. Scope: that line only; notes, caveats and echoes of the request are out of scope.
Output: 4:02
